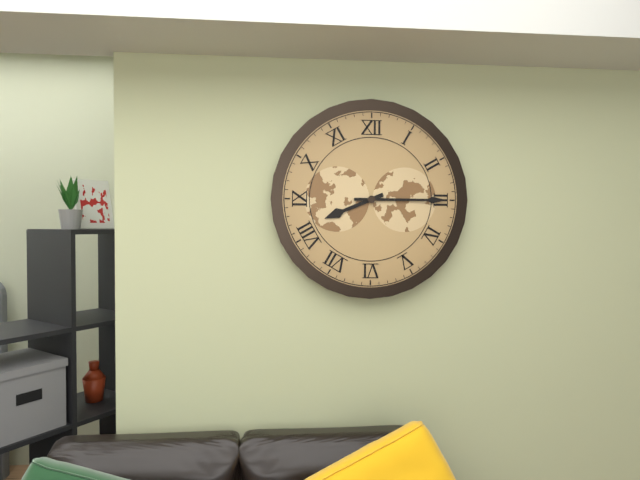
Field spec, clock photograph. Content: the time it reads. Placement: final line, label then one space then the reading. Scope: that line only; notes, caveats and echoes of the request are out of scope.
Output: 8:15
